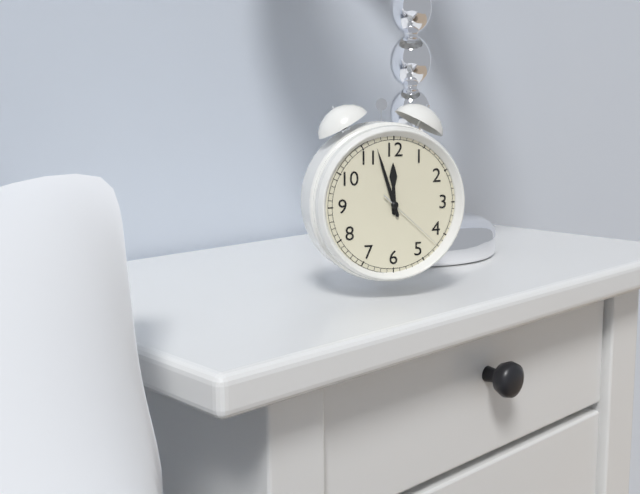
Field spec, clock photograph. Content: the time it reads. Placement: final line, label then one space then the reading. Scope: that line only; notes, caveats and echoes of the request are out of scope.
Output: 11:57:22
